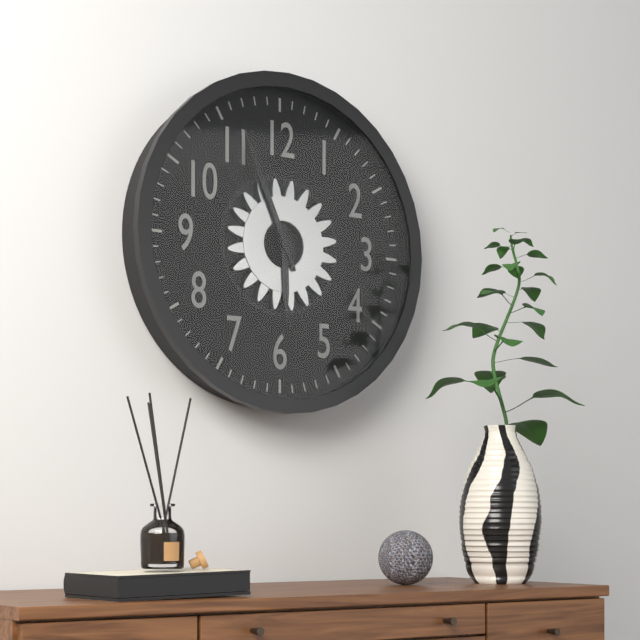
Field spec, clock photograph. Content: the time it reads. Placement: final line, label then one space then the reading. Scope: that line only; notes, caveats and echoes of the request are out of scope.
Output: 5:56
